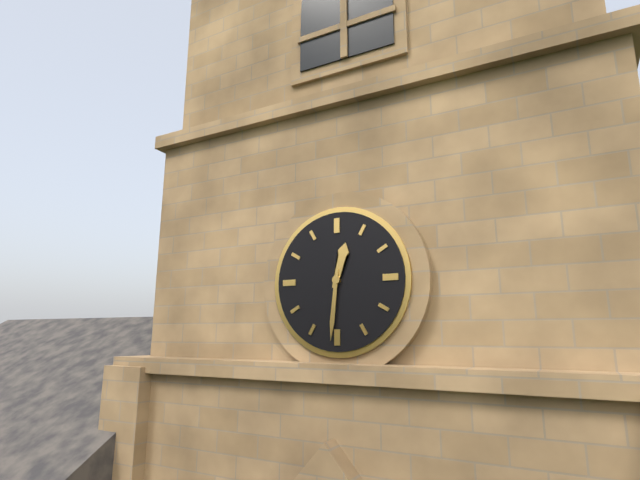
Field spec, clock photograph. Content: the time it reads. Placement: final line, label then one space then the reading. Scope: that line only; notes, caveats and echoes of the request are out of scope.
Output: 12:31
